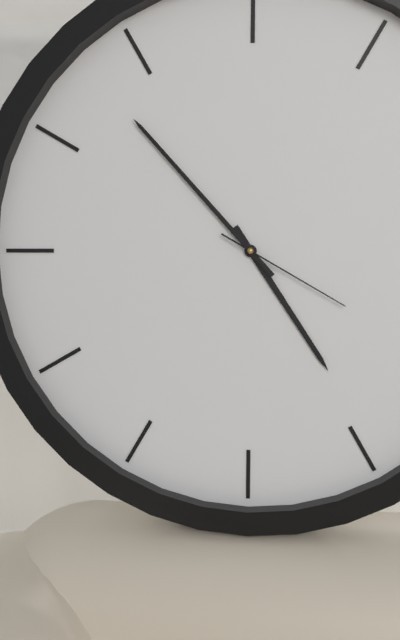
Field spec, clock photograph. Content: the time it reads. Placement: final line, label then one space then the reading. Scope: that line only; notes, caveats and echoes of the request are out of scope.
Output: 4:53:20
